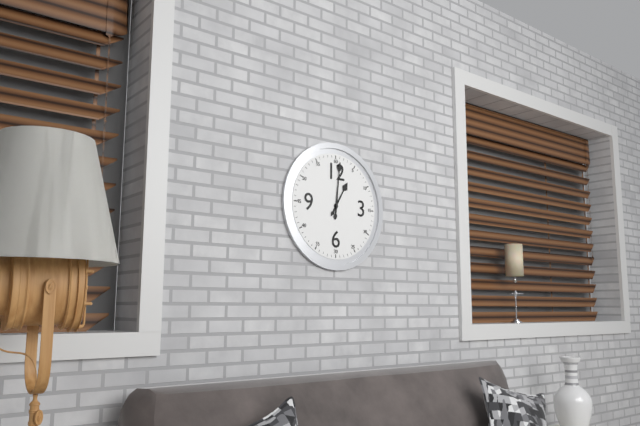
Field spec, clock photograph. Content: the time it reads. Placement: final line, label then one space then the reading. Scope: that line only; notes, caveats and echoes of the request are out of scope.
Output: 1:01
